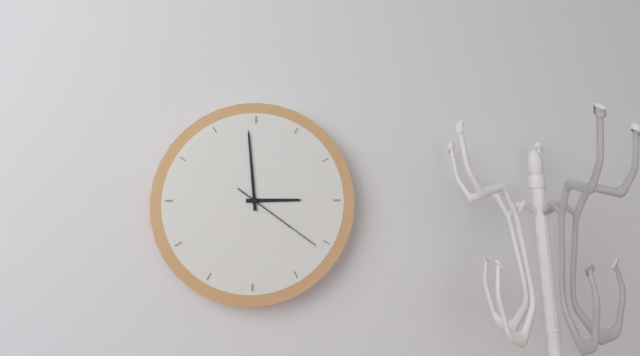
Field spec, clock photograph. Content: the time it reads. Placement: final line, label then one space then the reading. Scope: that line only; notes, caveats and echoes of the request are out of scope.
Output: 2:59:21
